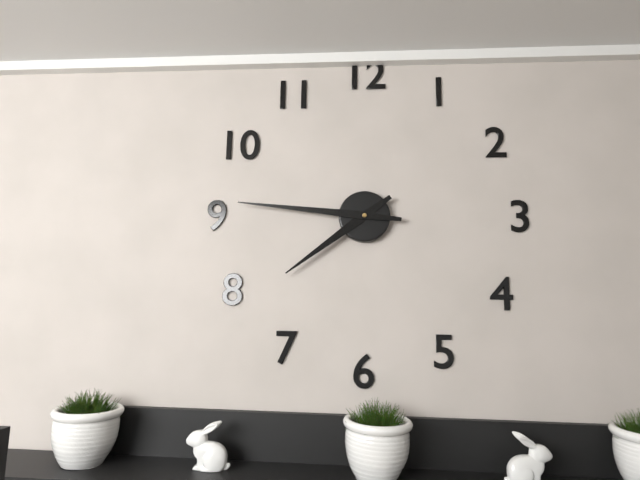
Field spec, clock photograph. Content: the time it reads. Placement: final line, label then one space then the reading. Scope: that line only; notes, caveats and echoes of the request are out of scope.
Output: 7:46
